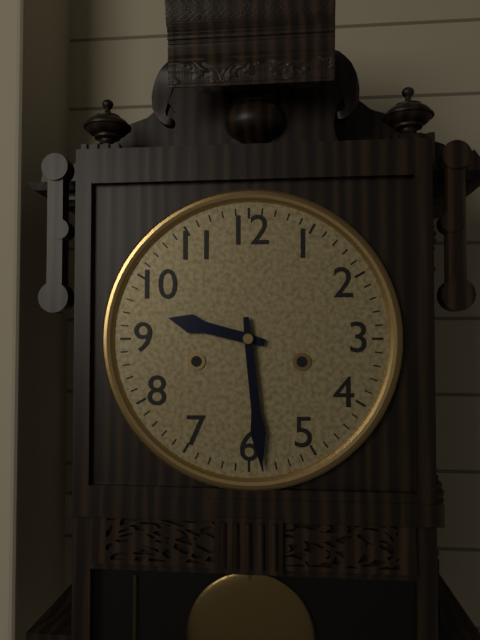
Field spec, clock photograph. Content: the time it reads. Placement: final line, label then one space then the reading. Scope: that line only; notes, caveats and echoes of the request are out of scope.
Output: 9:29
